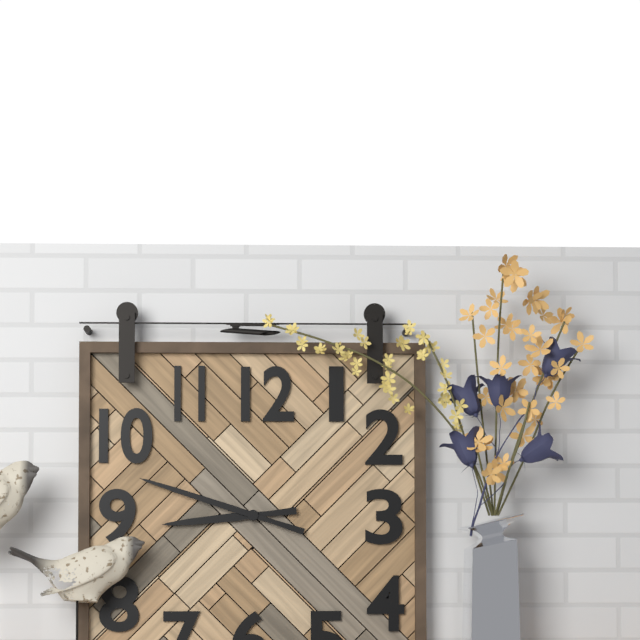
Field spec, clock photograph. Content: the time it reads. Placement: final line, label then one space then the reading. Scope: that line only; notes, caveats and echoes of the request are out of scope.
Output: 8:48
